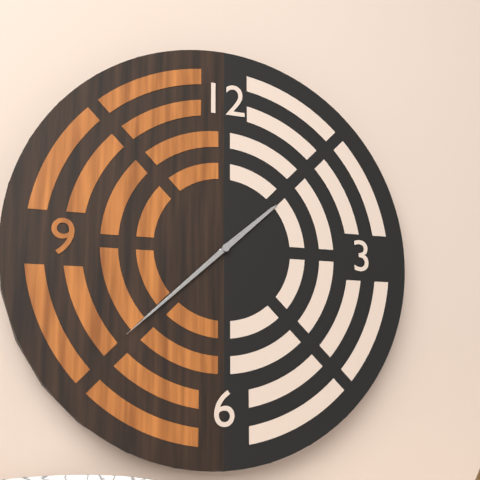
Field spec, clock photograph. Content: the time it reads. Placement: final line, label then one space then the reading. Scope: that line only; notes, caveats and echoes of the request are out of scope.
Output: 1:38:38
